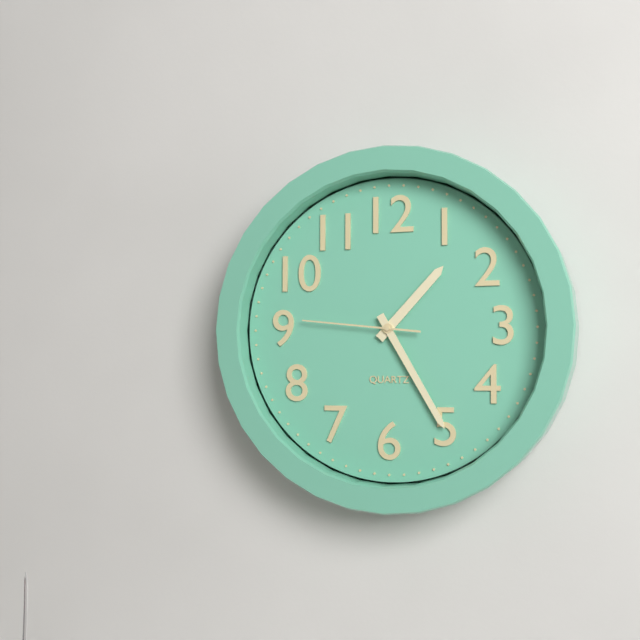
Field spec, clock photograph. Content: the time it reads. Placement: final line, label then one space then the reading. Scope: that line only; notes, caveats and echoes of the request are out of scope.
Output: 1:25:46
